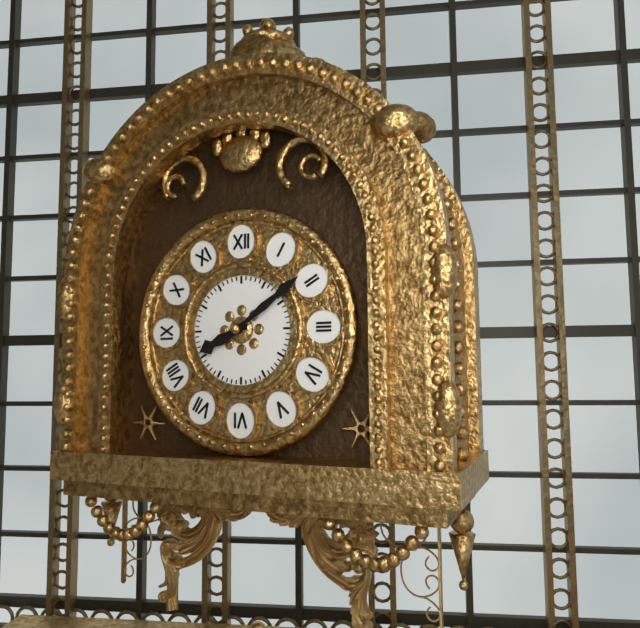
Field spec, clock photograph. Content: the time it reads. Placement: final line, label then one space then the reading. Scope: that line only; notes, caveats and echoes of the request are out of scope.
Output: 8:09
